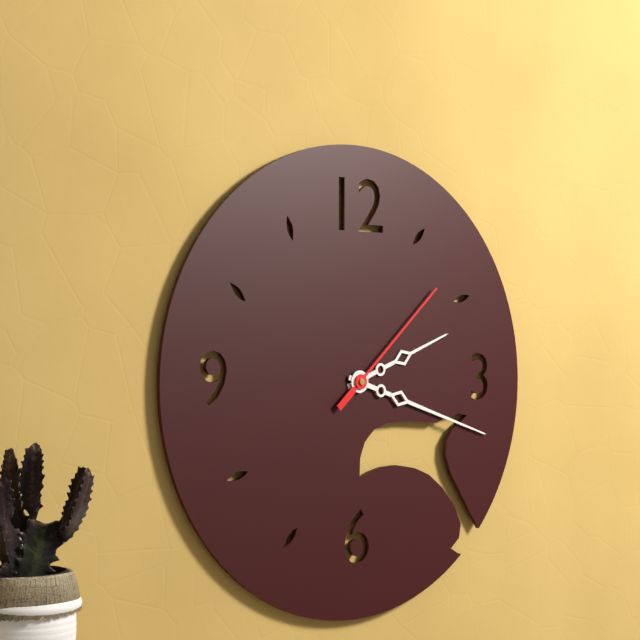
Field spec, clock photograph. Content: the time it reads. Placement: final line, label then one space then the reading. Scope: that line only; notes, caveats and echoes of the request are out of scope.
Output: 2:18:08
